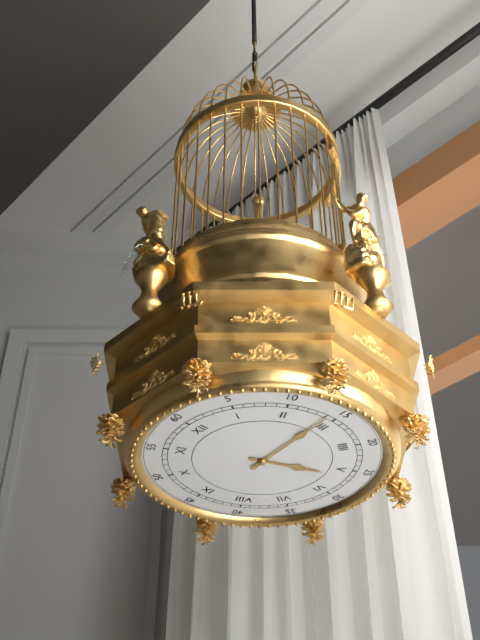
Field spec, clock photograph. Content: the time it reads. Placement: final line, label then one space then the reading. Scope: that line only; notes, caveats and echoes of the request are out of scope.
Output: 5:14
